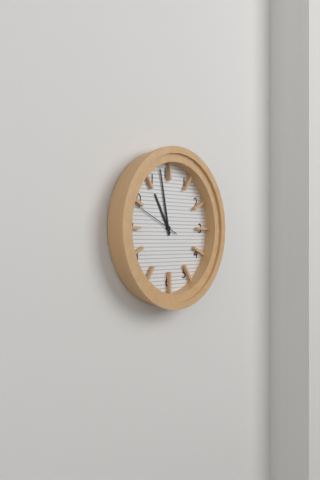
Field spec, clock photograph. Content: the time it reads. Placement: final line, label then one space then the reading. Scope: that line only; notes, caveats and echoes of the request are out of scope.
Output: 10:58:49
